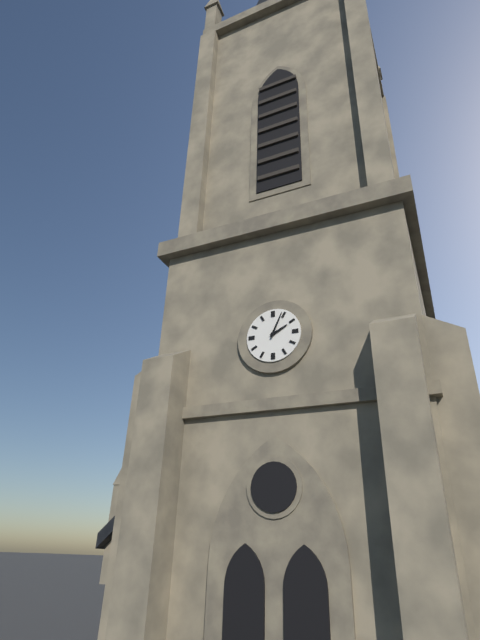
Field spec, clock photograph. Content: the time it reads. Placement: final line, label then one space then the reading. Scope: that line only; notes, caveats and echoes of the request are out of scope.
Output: 2:04
